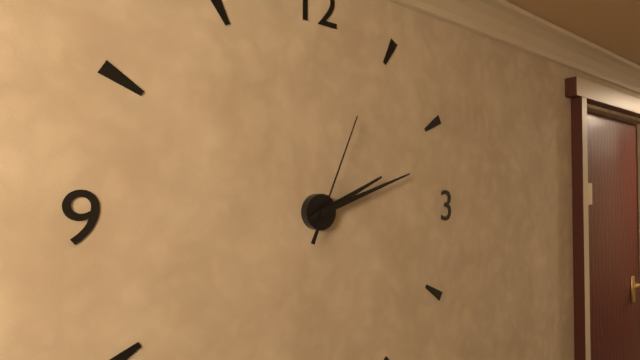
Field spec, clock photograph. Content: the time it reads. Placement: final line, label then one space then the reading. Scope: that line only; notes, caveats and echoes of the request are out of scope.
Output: 2:12:04
